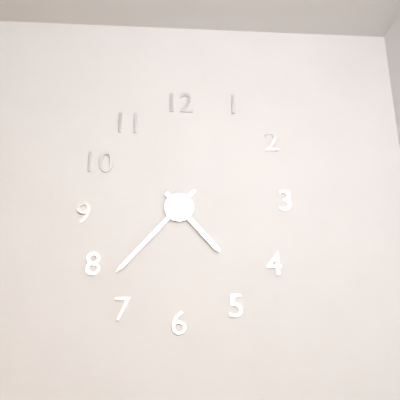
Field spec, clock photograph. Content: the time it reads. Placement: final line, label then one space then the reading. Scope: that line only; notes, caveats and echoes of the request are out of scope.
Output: 4:37
